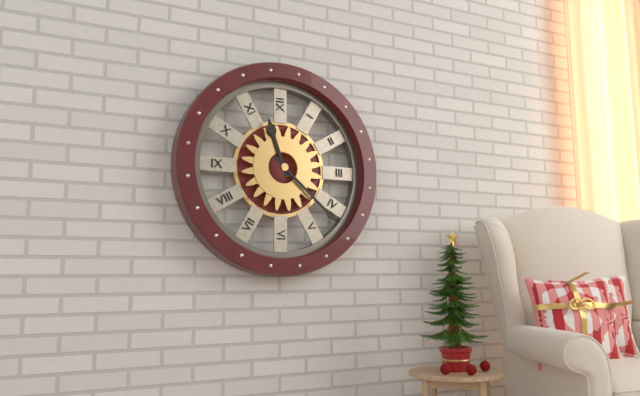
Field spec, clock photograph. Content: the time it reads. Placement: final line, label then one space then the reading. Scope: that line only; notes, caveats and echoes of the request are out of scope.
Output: 11:22
